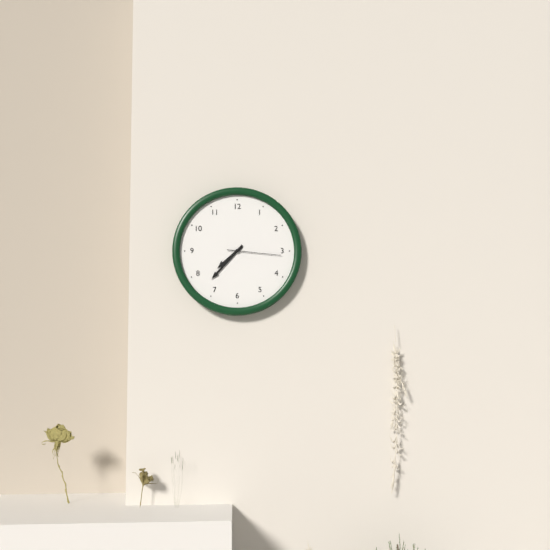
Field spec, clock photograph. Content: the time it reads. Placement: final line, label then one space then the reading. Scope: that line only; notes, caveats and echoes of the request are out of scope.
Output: 7:37:16
